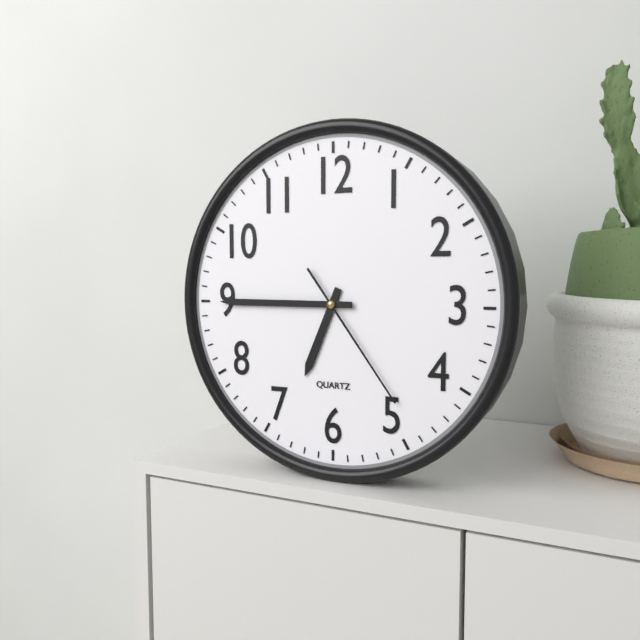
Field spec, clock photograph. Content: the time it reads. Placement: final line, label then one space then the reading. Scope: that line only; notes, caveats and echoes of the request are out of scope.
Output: 6:45:24
